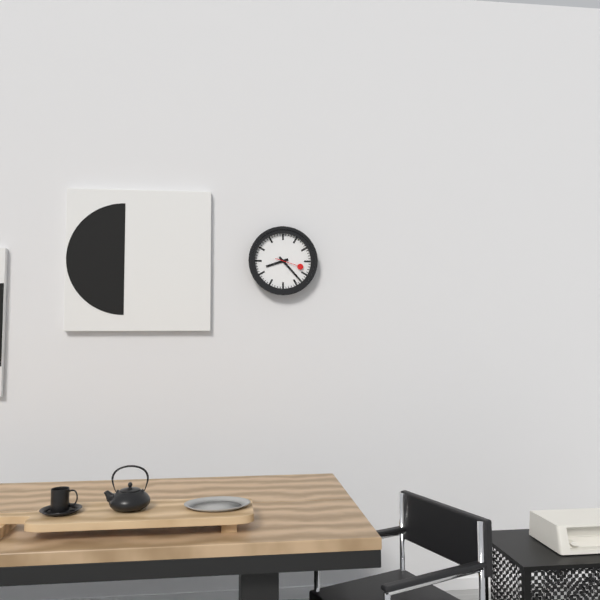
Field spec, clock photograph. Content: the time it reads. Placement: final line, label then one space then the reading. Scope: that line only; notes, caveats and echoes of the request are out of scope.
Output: 8:23
